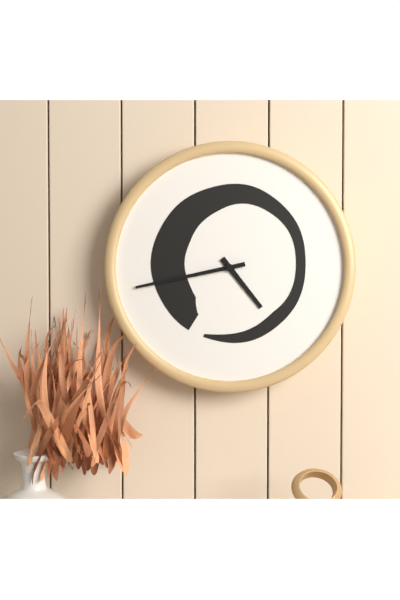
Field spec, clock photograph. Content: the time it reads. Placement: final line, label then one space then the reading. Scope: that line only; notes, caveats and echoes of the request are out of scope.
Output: 4:43
